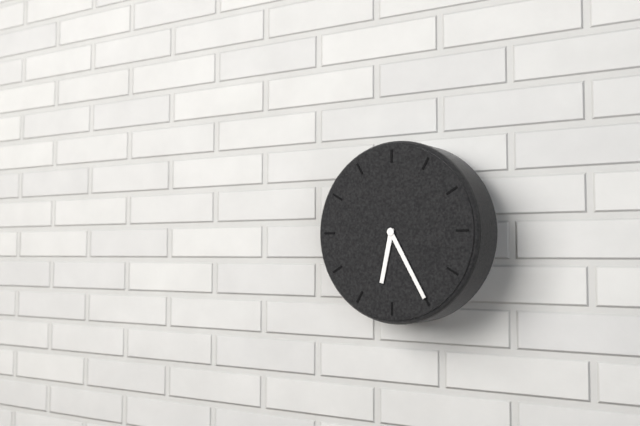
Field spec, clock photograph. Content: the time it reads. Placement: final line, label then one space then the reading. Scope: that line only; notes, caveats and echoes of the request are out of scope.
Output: 6:25
